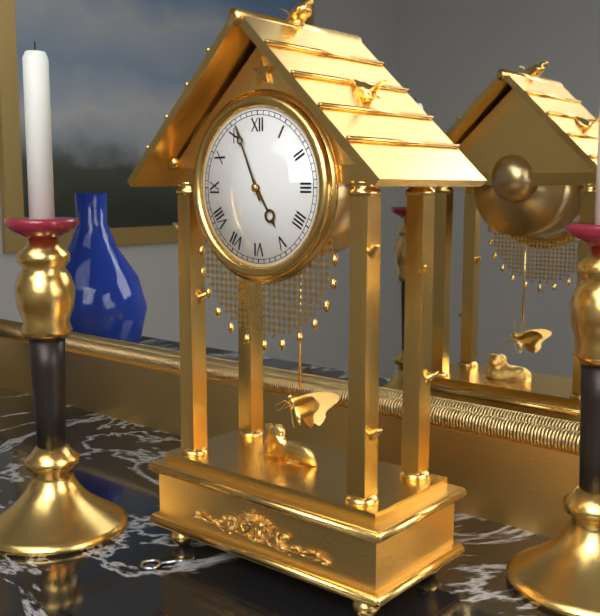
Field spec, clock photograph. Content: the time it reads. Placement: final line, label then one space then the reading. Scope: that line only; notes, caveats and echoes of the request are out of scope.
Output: 4:56
